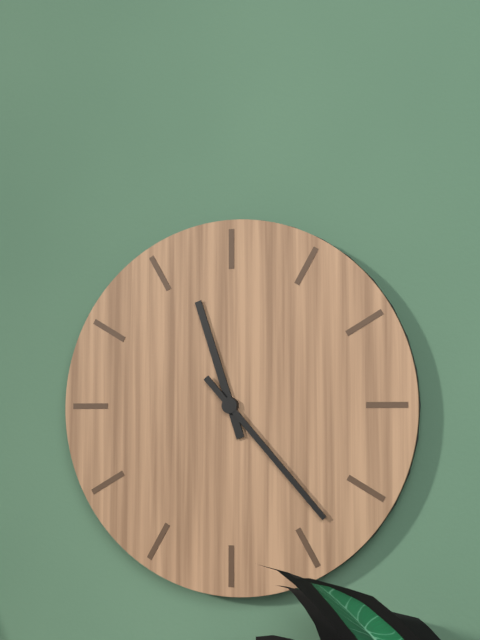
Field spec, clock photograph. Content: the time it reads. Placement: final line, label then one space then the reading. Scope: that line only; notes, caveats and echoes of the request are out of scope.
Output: 11:23
